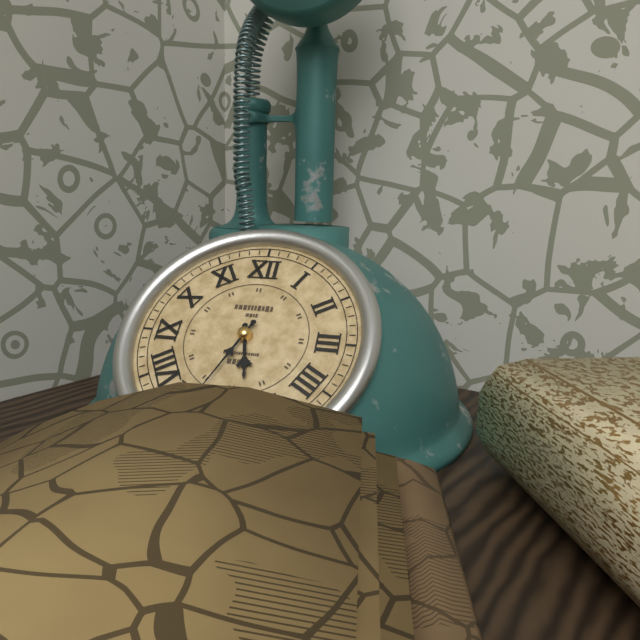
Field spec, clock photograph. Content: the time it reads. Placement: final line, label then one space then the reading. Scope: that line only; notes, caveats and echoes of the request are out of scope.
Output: 5:34
